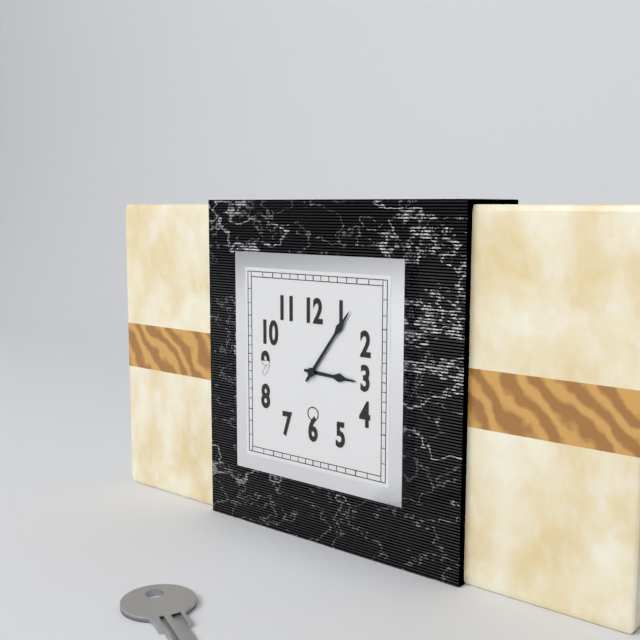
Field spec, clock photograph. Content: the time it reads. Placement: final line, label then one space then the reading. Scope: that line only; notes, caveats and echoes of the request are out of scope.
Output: 3:06
